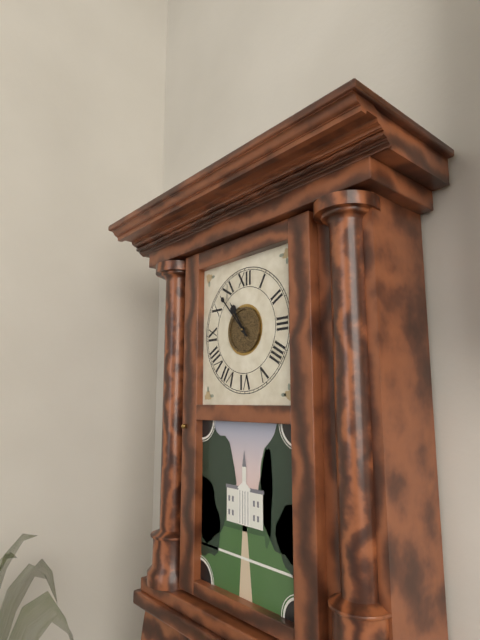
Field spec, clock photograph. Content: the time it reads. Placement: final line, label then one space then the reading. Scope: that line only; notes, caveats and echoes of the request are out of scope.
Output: 10:53
